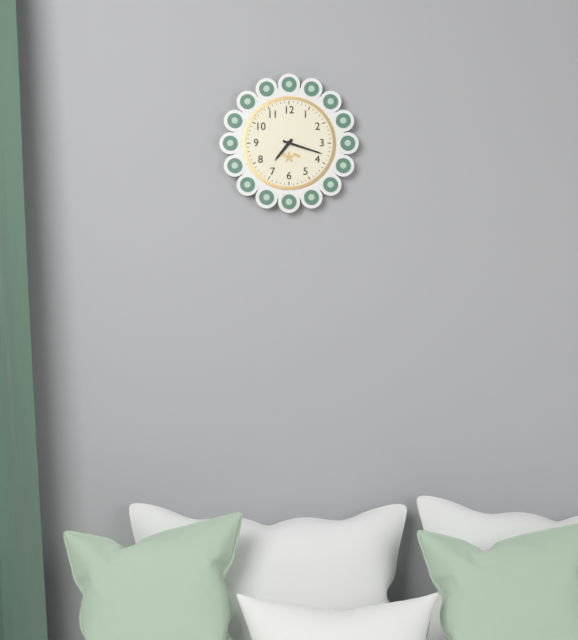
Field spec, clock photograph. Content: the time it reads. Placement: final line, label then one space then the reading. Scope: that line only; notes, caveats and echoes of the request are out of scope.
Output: 7:18
